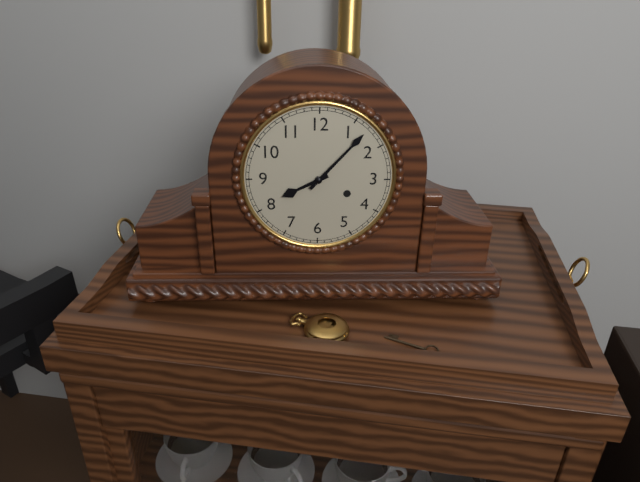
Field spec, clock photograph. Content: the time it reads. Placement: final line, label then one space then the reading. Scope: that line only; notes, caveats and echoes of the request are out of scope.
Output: 8:07
